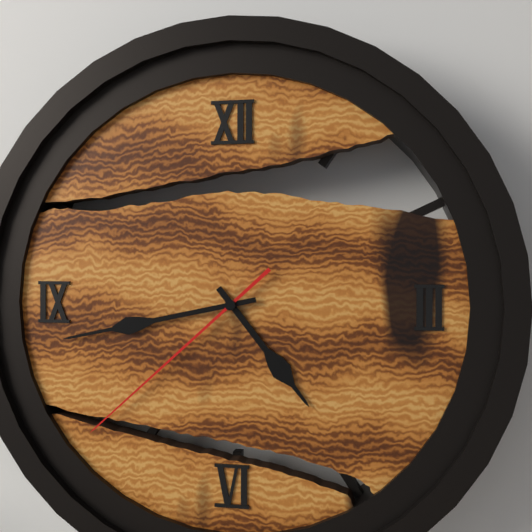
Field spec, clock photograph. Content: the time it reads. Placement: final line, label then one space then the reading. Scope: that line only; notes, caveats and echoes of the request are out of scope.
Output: 4:43:38
